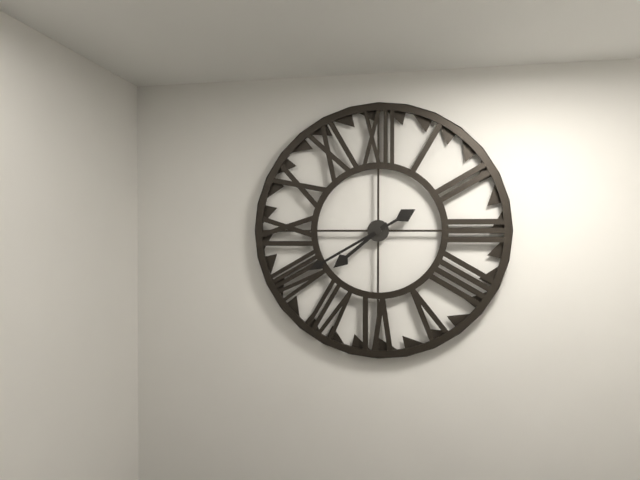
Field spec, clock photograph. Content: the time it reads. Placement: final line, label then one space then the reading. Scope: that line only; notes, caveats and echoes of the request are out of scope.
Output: 7:40
